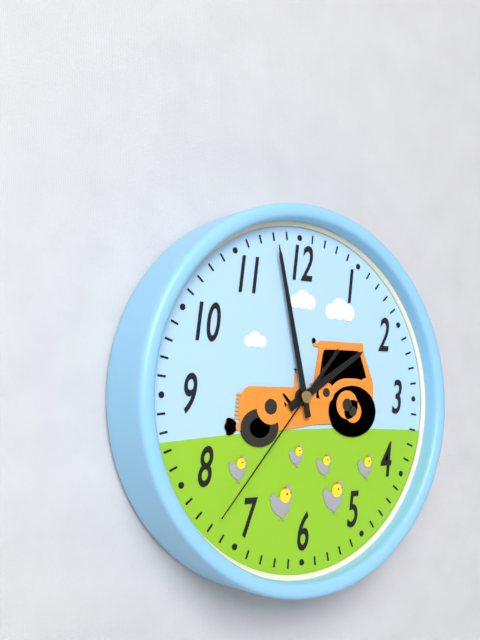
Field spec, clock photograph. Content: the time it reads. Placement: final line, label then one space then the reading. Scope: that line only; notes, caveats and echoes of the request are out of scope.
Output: 1:58:37
